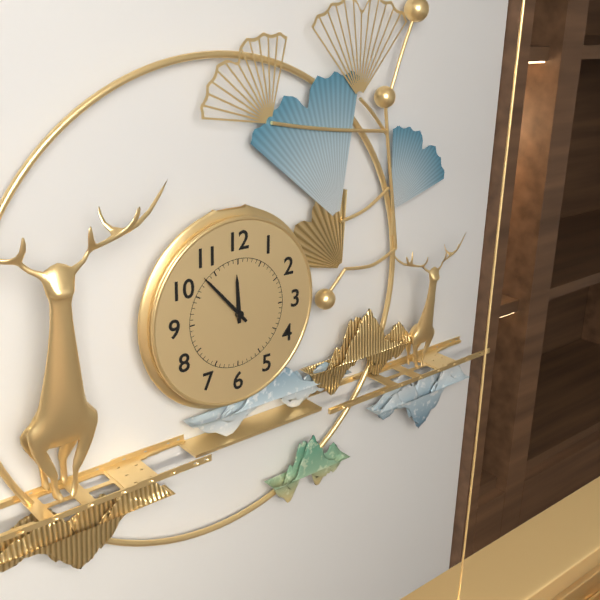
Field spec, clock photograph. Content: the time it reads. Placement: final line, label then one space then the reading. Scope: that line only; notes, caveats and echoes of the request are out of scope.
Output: 11:53
